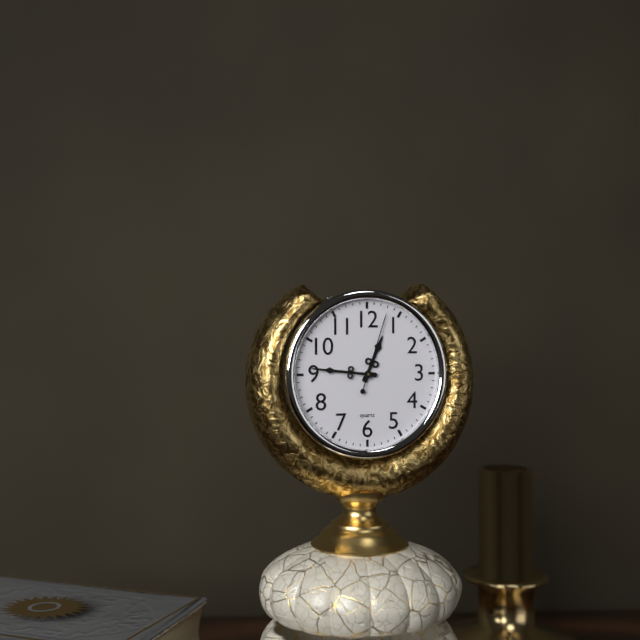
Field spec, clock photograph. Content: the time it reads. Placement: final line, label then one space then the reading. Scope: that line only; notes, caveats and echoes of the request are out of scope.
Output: 12:46:03
